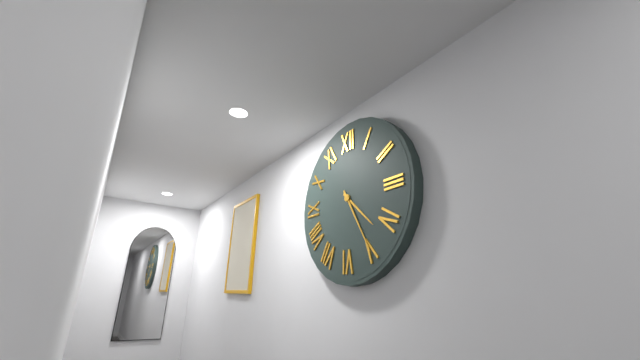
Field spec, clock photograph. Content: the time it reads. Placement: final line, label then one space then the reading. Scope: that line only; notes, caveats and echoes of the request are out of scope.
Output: 4:25
